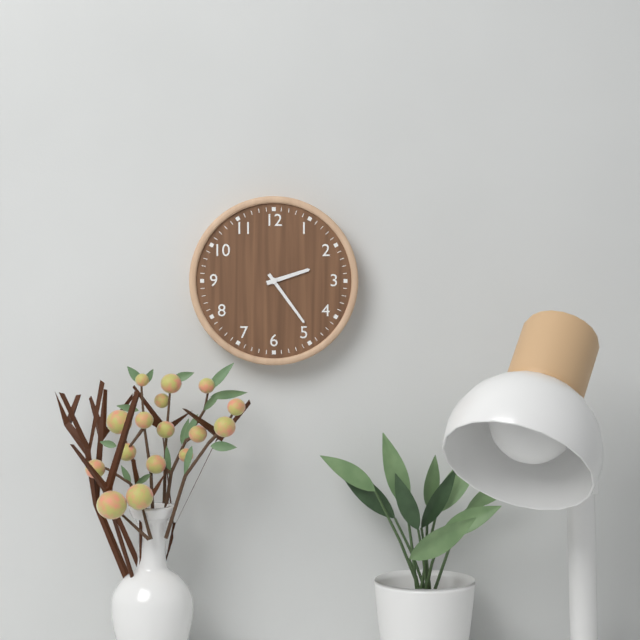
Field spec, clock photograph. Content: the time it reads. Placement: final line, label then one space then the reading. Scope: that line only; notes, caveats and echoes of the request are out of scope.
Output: 2:24
